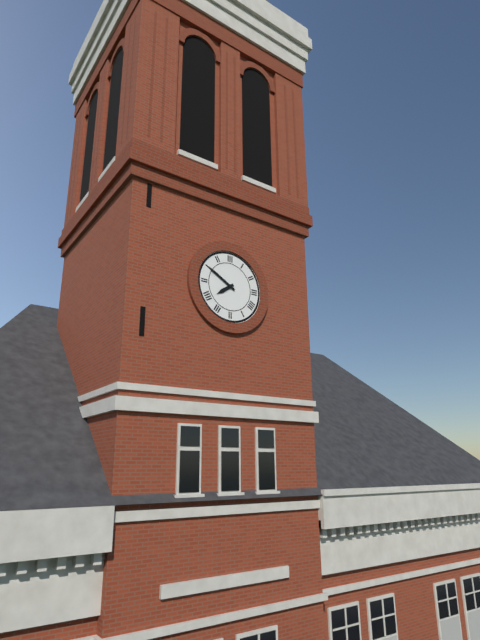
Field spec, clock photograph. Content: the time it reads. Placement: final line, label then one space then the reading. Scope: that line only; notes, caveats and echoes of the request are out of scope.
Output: 7:50
